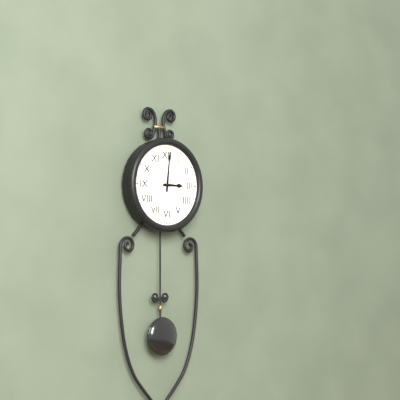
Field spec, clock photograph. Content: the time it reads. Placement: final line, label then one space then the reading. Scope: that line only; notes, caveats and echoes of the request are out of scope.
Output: 3:01
